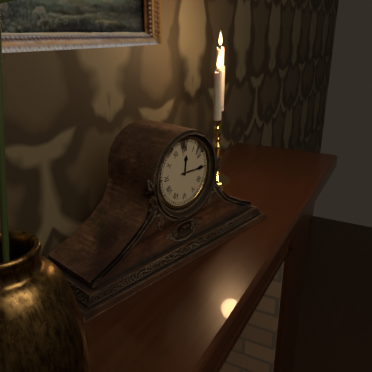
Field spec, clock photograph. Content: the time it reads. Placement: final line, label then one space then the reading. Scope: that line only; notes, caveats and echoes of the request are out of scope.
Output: 12:15
